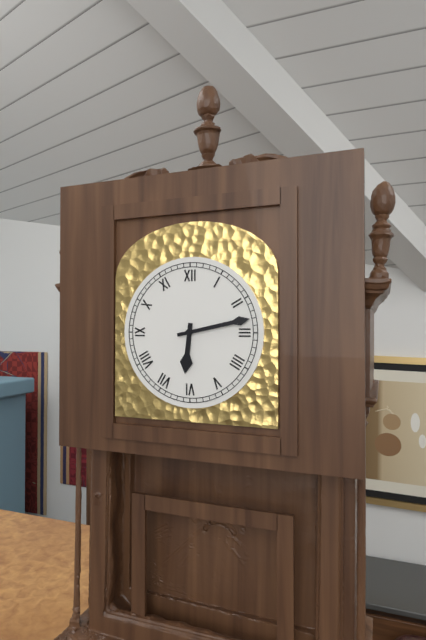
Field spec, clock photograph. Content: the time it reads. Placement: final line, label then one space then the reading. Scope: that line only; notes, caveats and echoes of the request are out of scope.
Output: 6:13
